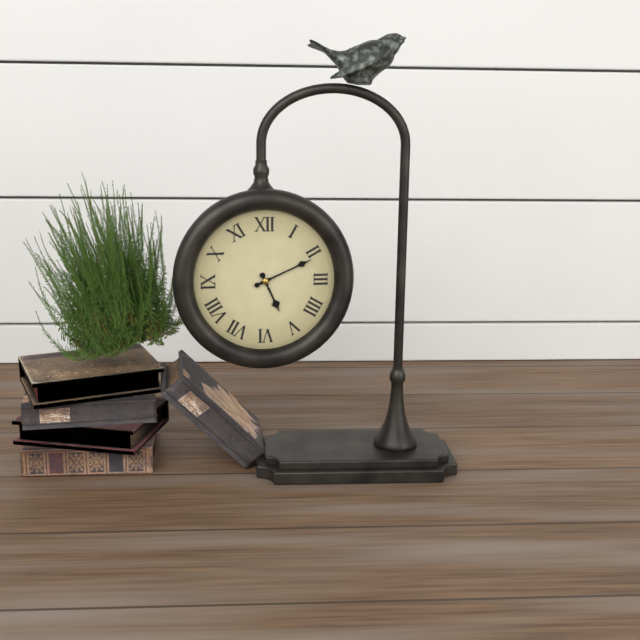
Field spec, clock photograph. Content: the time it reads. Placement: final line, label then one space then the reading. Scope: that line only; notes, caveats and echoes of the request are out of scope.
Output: 5:11
